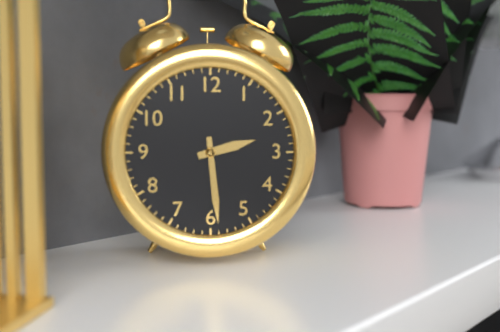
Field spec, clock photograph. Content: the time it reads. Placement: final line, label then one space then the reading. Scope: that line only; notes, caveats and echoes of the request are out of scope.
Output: 2:29
